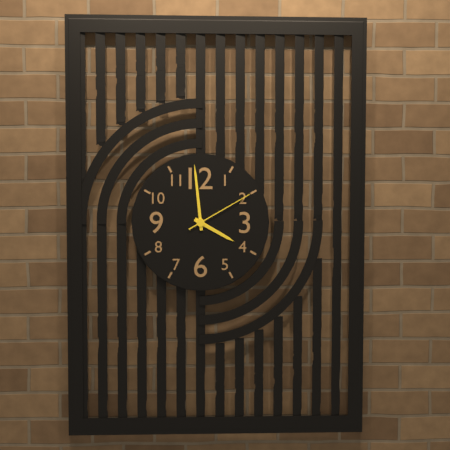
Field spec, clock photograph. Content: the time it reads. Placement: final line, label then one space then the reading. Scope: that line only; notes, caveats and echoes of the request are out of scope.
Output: 3:59:10
